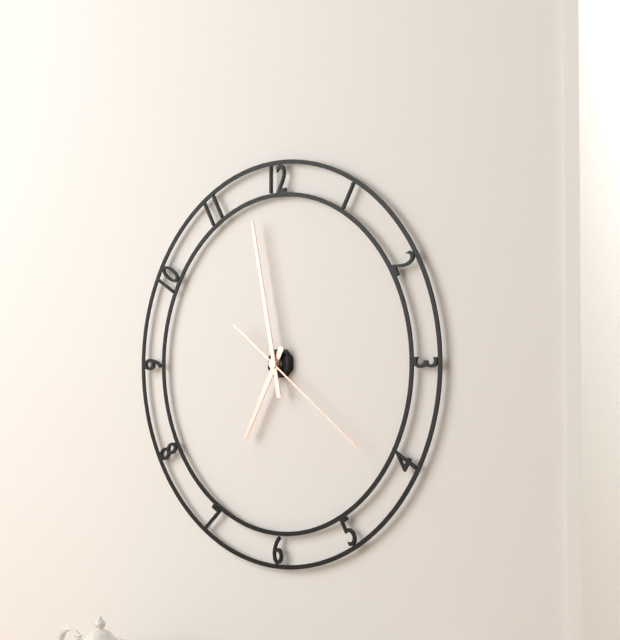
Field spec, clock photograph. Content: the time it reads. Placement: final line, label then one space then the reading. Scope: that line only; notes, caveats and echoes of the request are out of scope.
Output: 6:58:21
